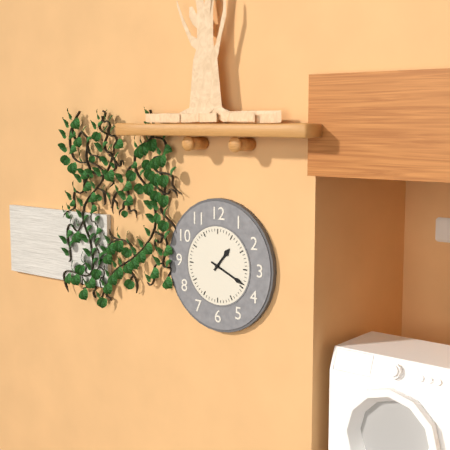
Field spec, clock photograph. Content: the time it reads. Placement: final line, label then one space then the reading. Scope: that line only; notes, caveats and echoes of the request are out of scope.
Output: 1:19
